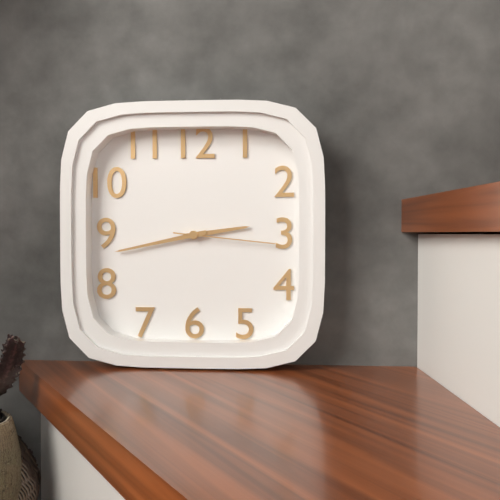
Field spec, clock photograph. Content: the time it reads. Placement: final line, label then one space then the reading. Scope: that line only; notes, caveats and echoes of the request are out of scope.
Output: 2:43:16
